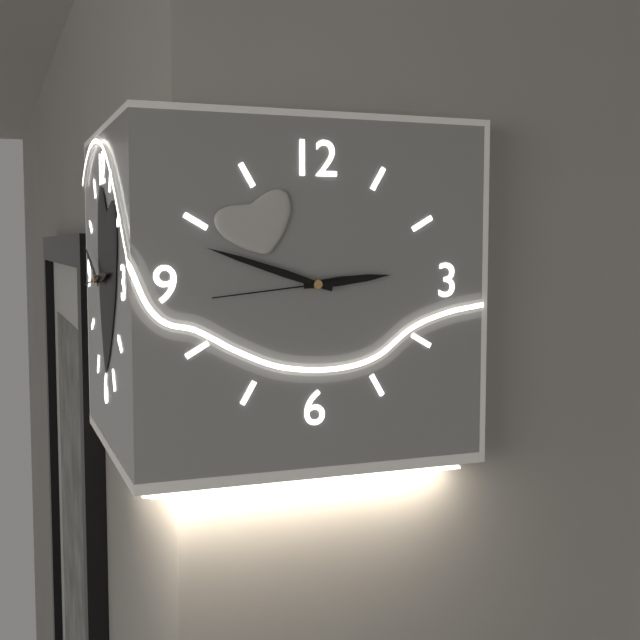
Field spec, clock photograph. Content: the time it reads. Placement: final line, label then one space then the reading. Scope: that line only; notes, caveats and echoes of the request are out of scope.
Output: 2:48:44
